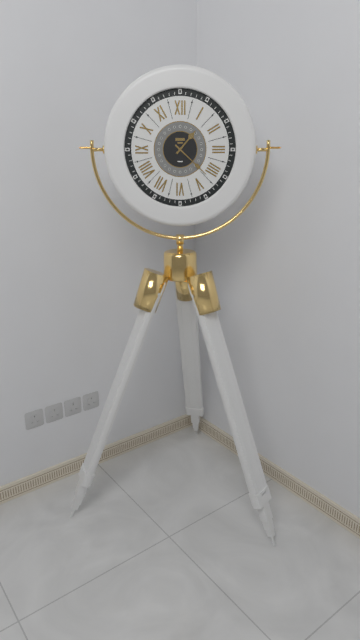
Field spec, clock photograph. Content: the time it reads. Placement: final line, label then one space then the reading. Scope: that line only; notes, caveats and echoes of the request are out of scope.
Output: 1:22
